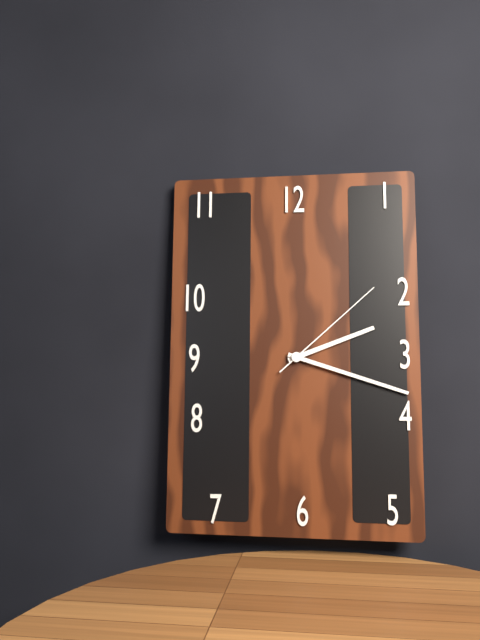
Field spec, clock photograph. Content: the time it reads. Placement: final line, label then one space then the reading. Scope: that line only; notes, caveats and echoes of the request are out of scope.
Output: 2:18:08
